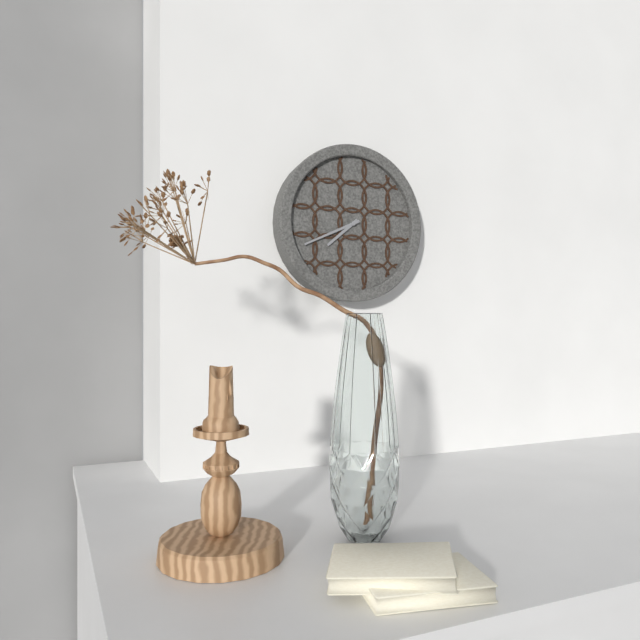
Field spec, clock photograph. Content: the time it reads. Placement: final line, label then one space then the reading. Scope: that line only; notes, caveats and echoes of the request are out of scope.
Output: 7:41
